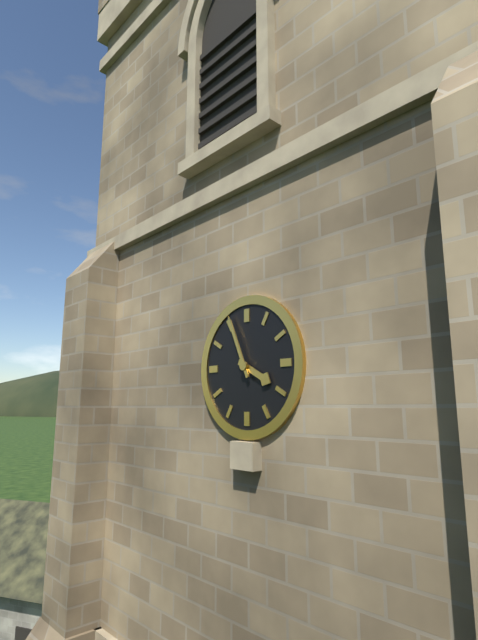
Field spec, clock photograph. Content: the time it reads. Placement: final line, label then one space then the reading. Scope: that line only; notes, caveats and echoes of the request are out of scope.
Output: 3:56
